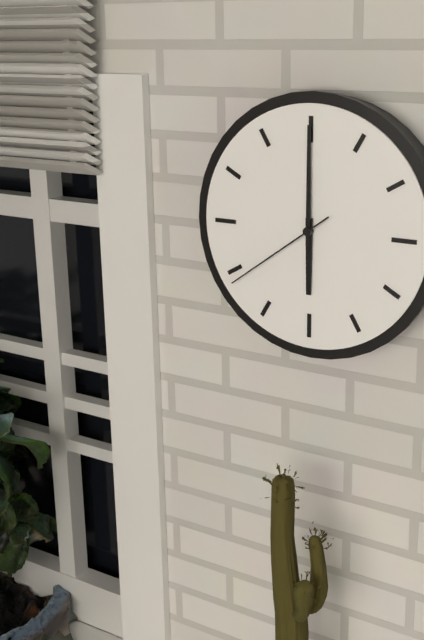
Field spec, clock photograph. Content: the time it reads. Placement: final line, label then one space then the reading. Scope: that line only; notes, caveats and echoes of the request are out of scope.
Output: 6:00:39
